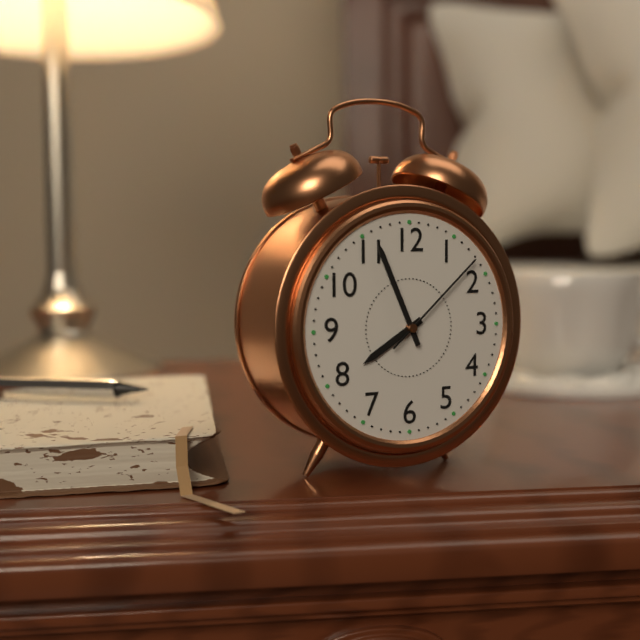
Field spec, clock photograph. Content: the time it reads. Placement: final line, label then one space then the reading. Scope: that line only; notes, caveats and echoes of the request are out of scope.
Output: 7:56:08
